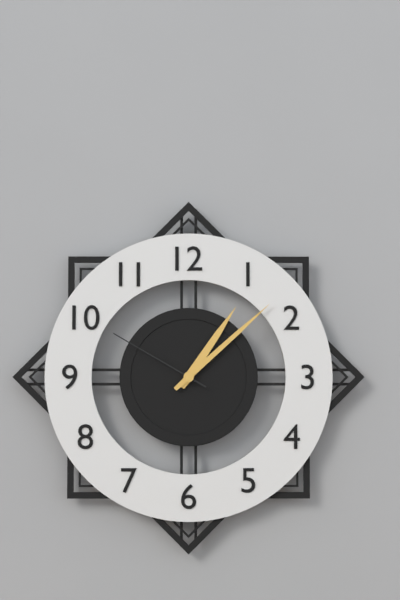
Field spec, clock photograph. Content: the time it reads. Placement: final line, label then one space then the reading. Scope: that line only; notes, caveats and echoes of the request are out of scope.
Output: 1:08:50
